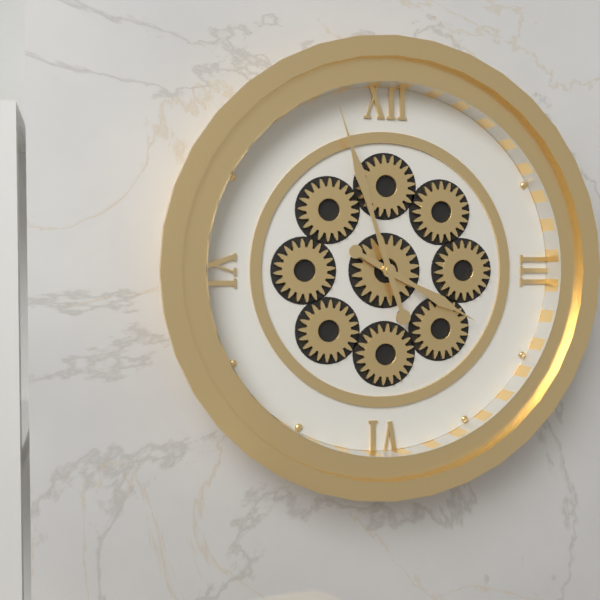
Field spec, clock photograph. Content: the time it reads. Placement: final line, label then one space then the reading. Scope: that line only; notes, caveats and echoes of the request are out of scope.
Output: 3:57
